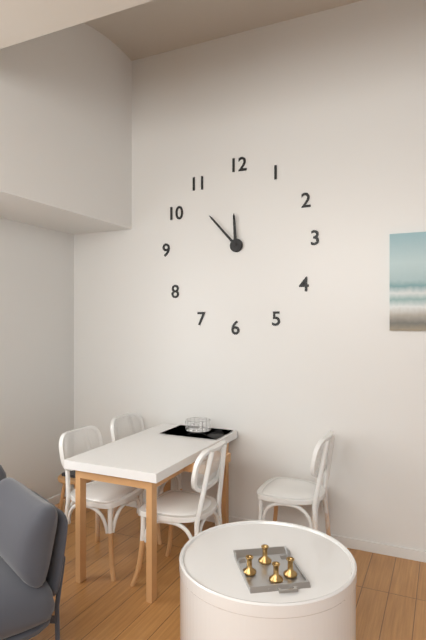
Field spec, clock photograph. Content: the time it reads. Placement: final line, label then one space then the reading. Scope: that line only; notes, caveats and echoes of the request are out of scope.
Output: 11:53
